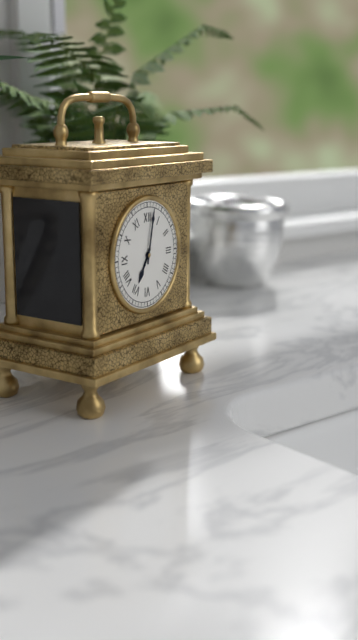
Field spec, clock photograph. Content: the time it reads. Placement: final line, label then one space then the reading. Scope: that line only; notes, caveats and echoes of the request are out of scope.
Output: 7:02
